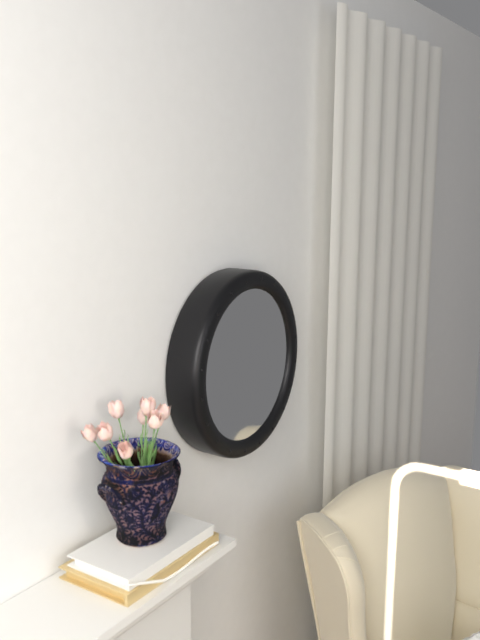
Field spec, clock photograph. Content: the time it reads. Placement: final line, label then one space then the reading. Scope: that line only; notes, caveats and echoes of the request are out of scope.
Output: 7:51
